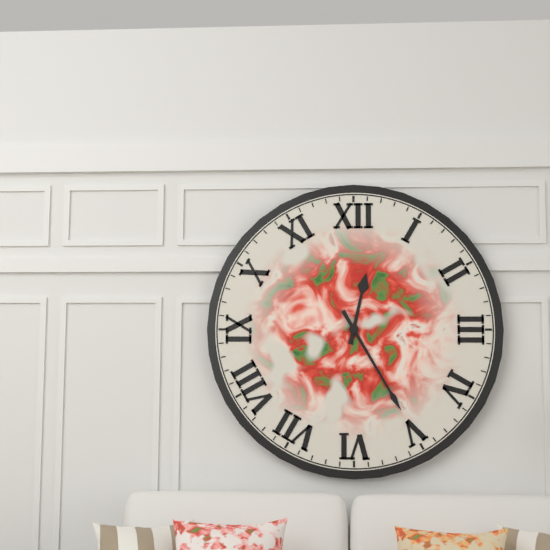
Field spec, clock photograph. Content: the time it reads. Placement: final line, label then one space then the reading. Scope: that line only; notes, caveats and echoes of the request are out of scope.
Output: 12:25
